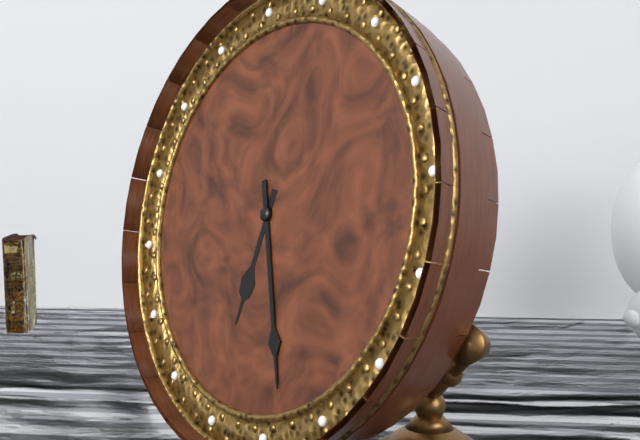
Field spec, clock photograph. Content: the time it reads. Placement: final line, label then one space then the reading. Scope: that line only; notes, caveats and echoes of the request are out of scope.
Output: 6:27
